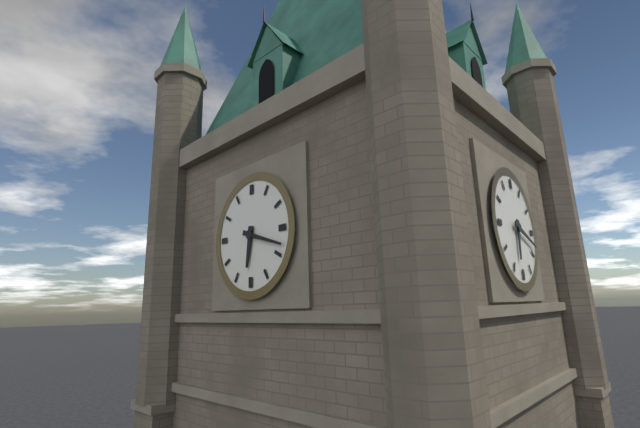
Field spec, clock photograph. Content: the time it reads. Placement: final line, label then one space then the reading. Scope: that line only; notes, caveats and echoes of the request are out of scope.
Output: 6:18
